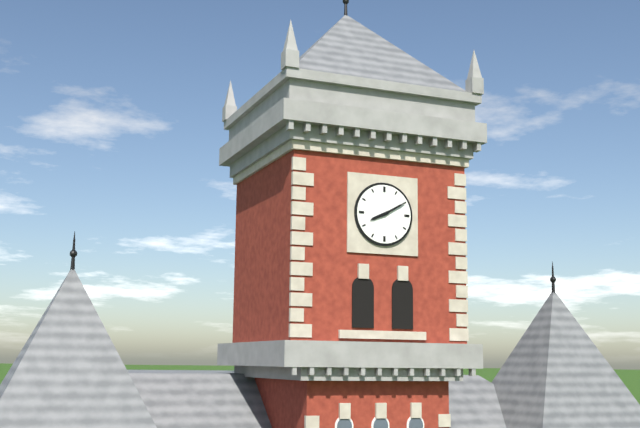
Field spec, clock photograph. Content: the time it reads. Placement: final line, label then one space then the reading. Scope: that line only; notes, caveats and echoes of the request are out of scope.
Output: 8:10
